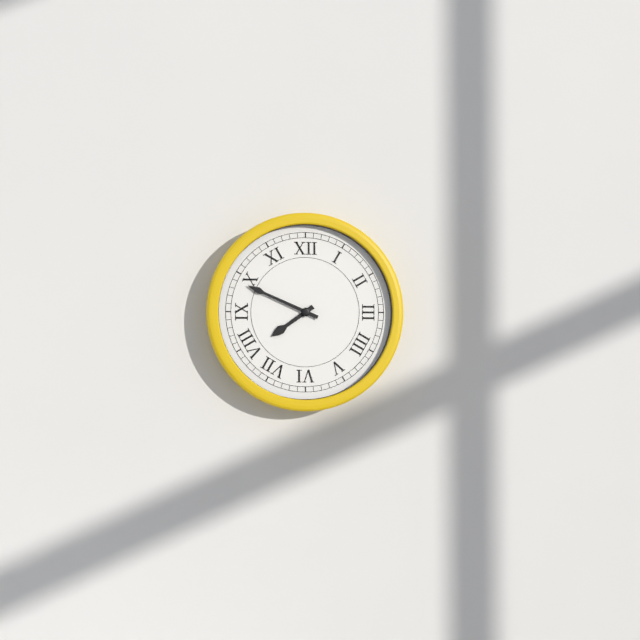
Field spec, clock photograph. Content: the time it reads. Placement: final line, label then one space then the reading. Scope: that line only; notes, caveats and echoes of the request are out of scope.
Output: 7:49
